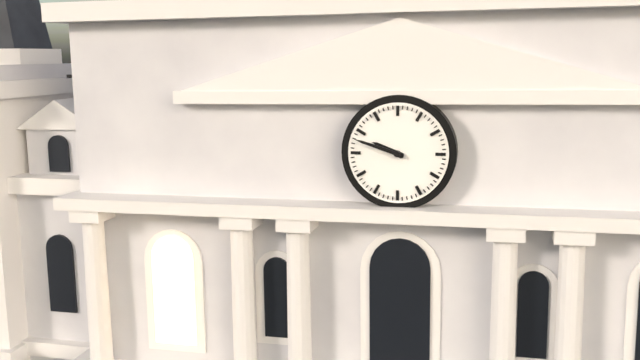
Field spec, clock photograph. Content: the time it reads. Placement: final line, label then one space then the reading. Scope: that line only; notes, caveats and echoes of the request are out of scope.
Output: 9:48
